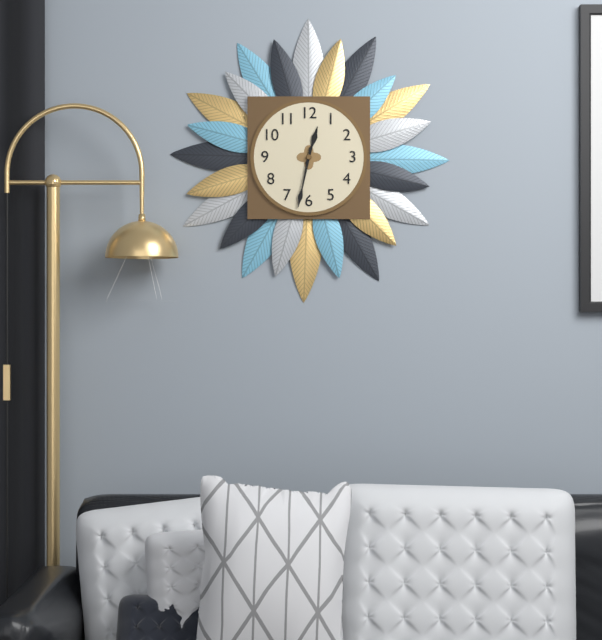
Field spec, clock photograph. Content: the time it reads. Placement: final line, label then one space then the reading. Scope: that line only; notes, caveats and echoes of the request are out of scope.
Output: 12:32
